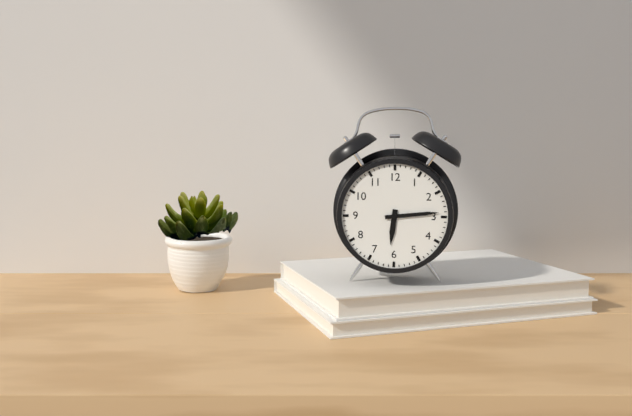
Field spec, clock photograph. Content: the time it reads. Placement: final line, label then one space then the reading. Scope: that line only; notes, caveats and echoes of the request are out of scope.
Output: 6:14
